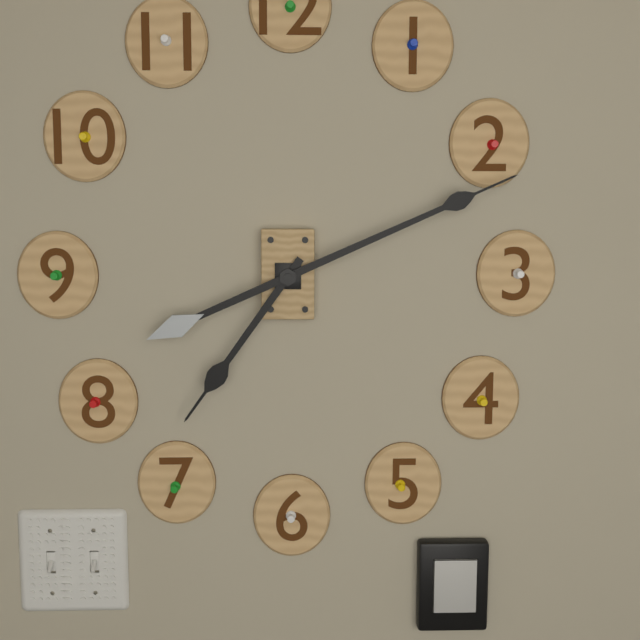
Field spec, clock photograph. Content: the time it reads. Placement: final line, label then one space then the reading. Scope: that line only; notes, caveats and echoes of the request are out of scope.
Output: 7:11
